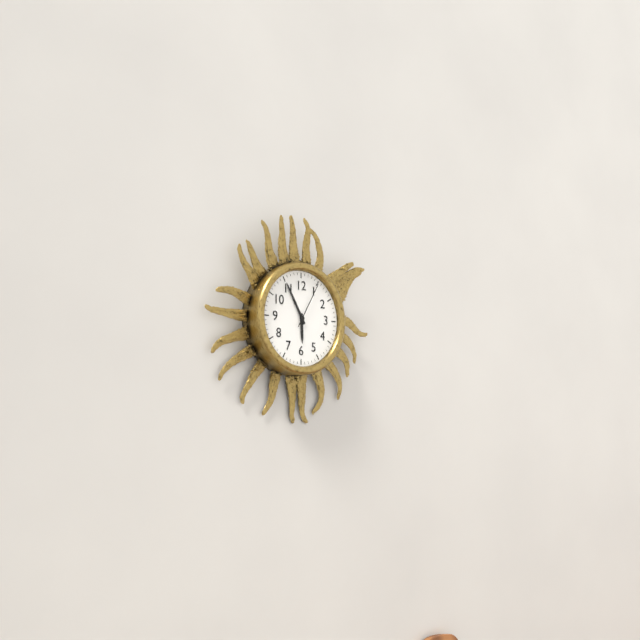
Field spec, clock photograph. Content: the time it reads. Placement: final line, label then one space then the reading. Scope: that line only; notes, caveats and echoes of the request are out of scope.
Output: 5:55
